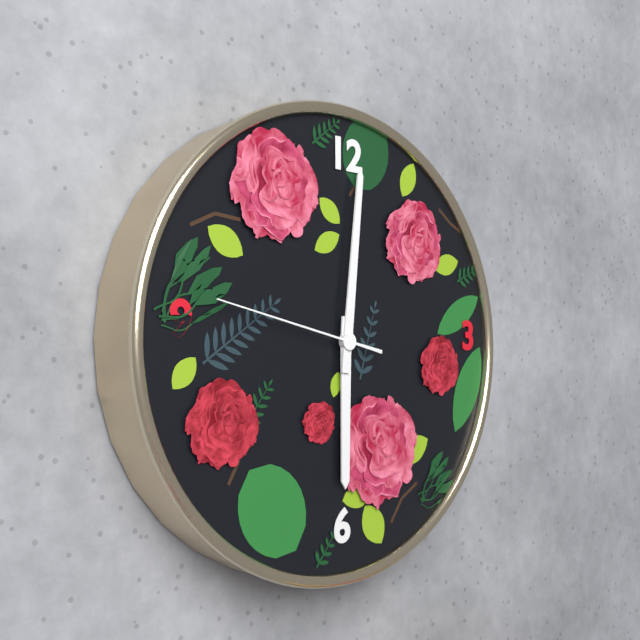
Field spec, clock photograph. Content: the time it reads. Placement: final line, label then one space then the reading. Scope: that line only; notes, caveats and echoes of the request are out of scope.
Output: 6:01:47
